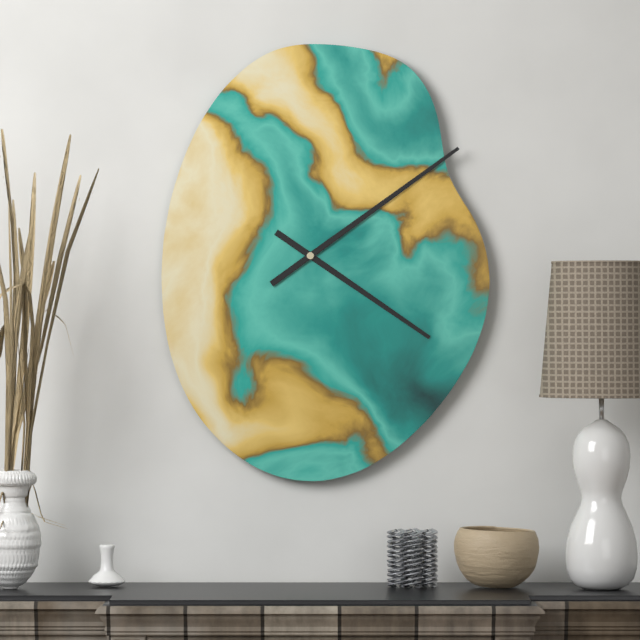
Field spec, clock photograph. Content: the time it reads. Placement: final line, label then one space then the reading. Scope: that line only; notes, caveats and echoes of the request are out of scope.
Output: 4:09
